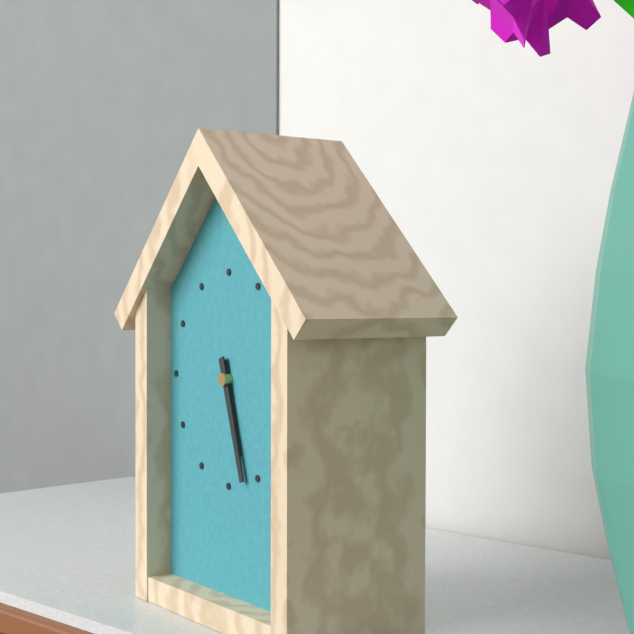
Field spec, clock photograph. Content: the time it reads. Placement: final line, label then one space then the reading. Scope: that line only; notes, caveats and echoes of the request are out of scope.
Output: 5:27
